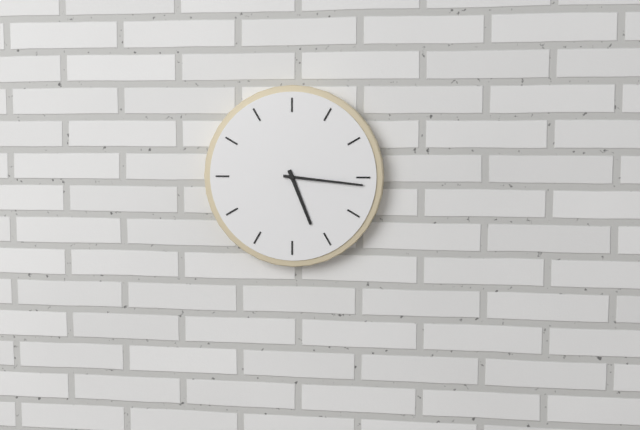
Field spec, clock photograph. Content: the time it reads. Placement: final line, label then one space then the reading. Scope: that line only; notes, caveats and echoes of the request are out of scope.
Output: 5:16
